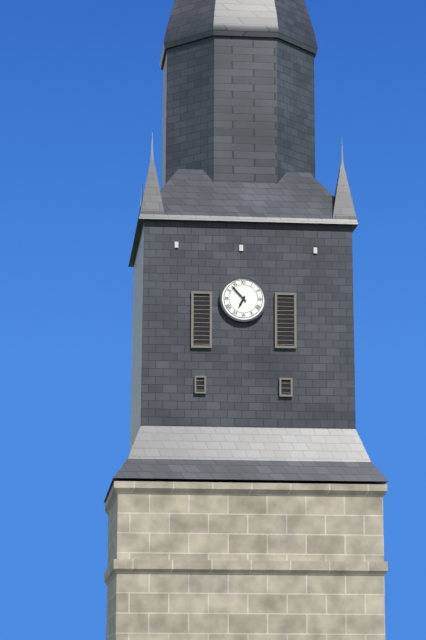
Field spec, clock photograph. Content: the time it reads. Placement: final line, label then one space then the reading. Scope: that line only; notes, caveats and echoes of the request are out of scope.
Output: 6:53
